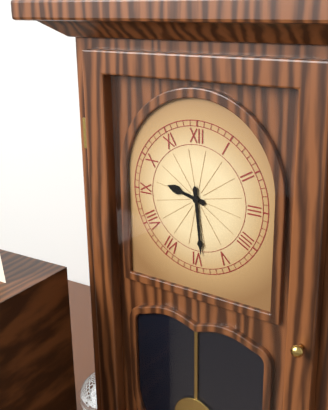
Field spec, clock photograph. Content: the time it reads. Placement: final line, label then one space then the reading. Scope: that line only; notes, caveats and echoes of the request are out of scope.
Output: 9:29
